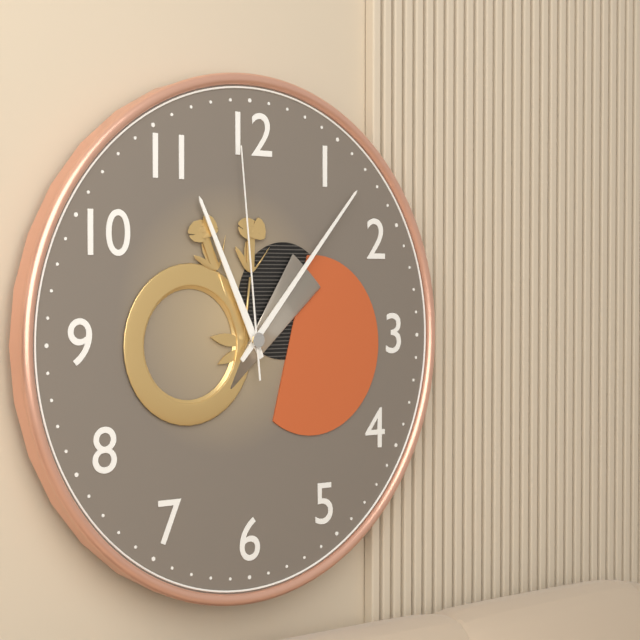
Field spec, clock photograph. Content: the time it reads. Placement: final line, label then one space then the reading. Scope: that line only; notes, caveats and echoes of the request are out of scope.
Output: 11:07:59
